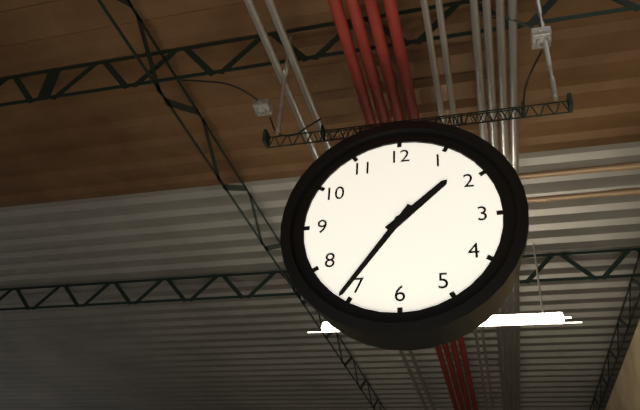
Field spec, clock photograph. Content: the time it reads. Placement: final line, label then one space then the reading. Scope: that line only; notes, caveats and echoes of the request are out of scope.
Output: 1:36
